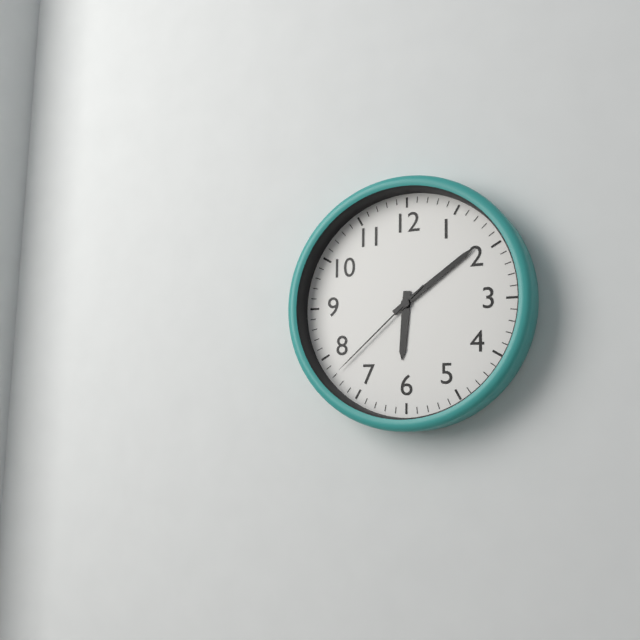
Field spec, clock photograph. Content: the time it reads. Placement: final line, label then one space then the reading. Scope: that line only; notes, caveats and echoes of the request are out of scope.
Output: 6:09:38
